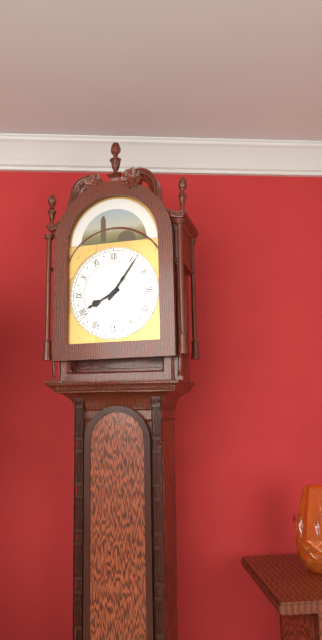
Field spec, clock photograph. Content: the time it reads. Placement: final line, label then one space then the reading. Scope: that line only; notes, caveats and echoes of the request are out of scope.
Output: 8:06
